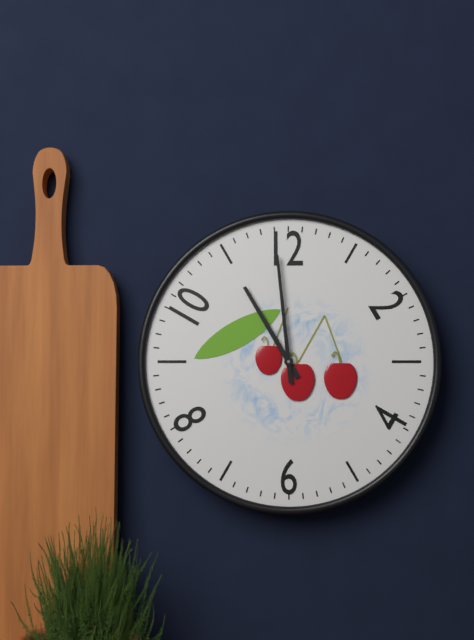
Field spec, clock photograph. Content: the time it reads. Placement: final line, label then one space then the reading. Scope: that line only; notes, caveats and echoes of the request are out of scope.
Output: 10:59
